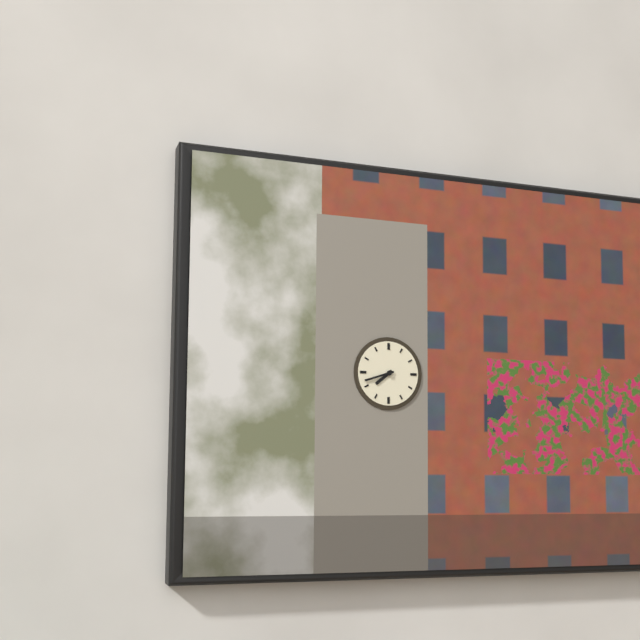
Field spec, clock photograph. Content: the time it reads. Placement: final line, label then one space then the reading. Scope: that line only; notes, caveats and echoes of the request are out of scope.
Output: 7:42
